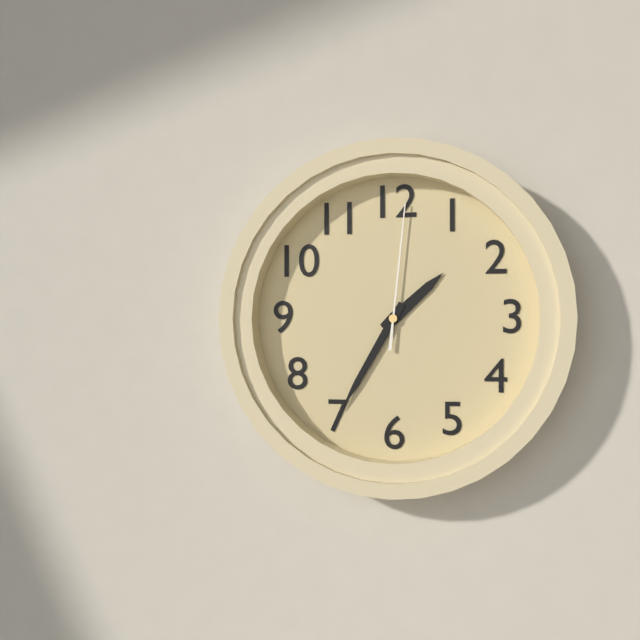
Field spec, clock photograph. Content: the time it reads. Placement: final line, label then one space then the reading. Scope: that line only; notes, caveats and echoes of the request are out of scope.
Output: 1:35:01
